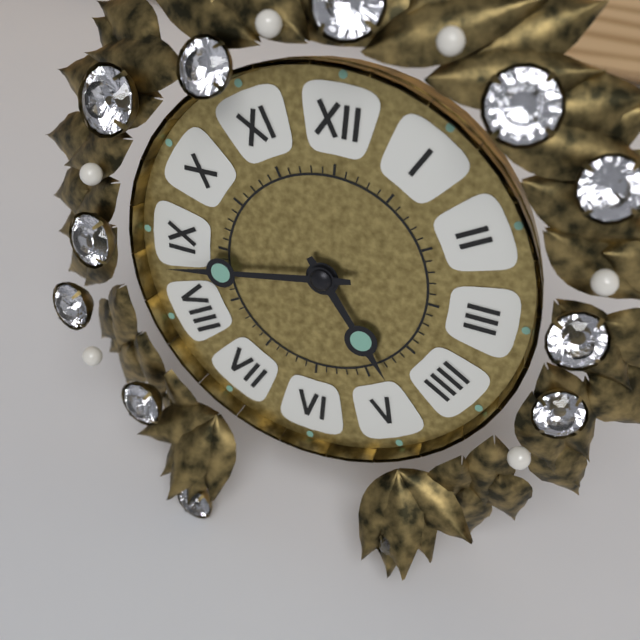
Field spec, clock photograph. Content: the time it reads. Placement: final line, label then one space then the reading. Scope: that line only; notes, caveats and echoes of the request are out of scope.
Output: 4:43
